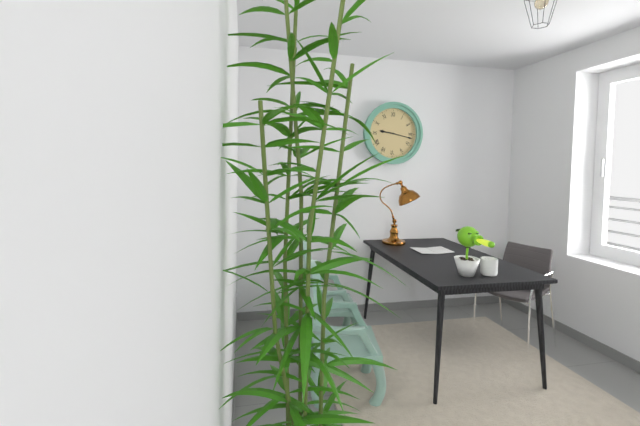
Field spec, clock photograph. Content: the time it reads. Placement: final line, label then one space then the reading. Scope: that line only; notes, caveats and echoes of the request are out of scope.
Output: 9:17
